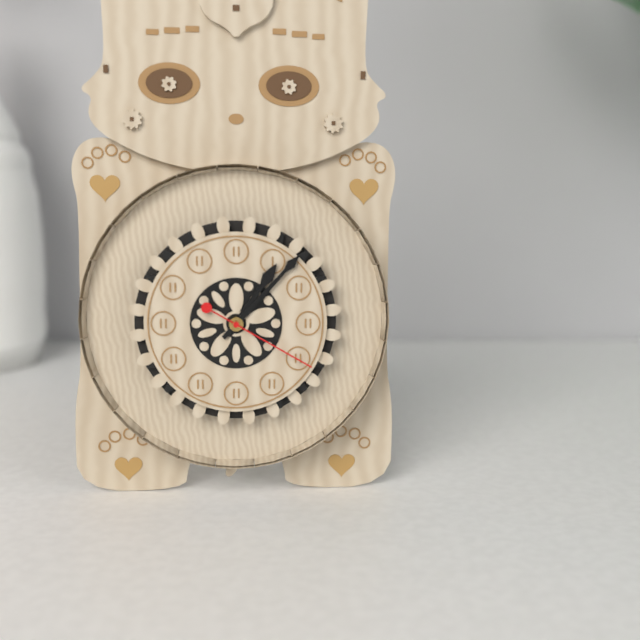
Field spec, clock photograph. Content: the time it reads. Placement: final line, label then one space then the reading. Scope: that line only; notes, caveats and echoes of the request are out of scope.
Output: 1:07:20
